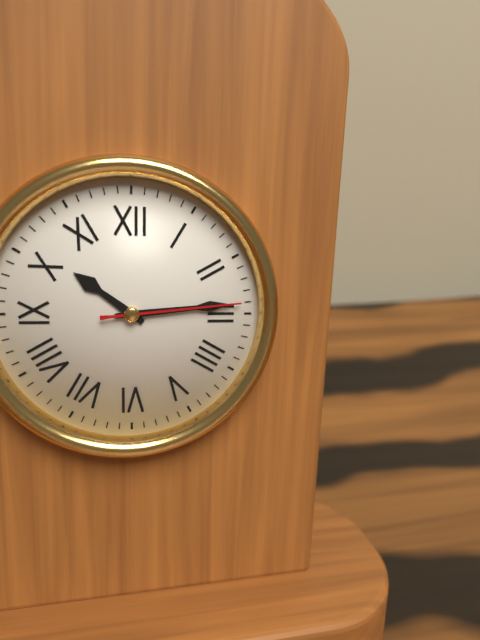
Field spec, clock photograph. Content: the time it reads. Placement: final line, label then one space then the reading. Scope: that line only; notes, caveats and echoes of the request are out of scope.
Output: 10:14:14
